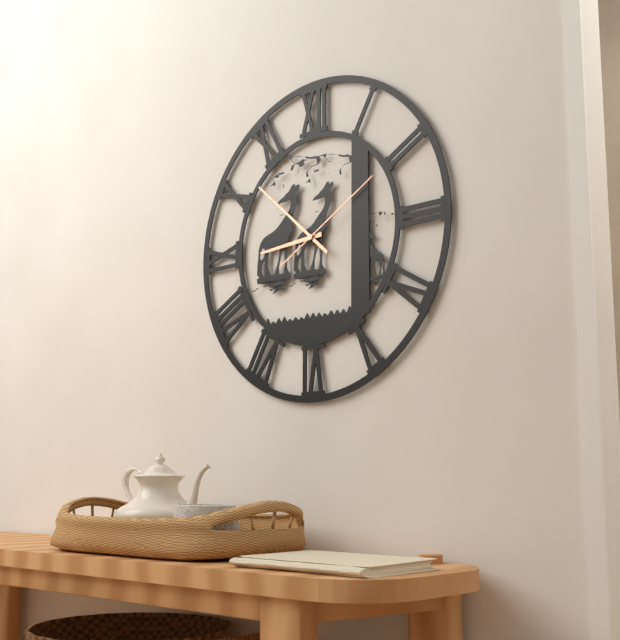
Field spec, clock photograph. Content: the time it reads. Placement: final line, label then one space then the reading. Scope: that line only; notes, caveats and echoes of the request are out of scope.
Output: 8:52:10
